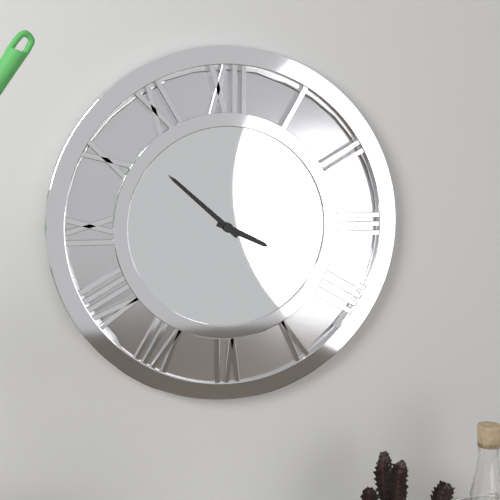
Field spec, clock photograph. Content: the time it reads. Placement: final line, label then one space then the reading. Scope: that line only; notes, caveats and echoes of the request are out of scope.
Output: 3:52
